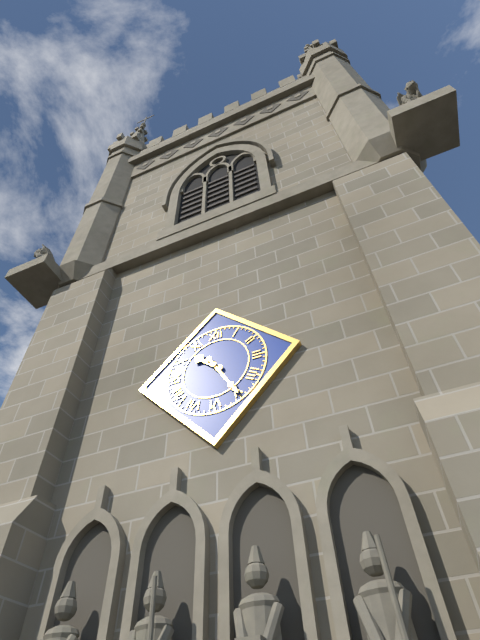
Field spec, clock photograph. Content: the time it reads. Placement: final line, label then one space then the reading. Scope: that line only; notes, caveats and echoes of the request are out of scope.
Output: 10:25
